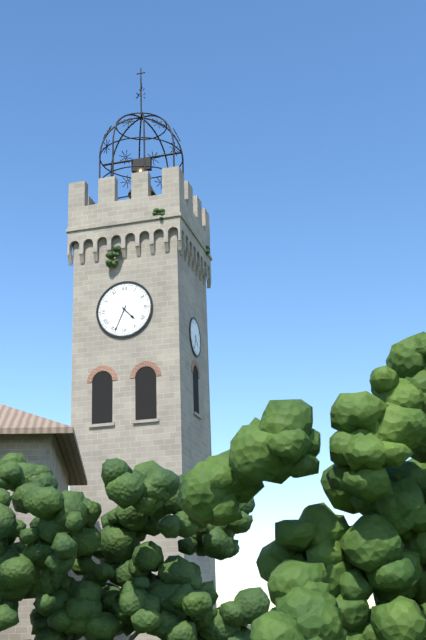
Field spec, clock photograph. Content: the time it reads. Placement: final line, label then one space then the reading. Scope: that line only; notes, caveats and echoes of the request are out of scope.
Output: 4:34
